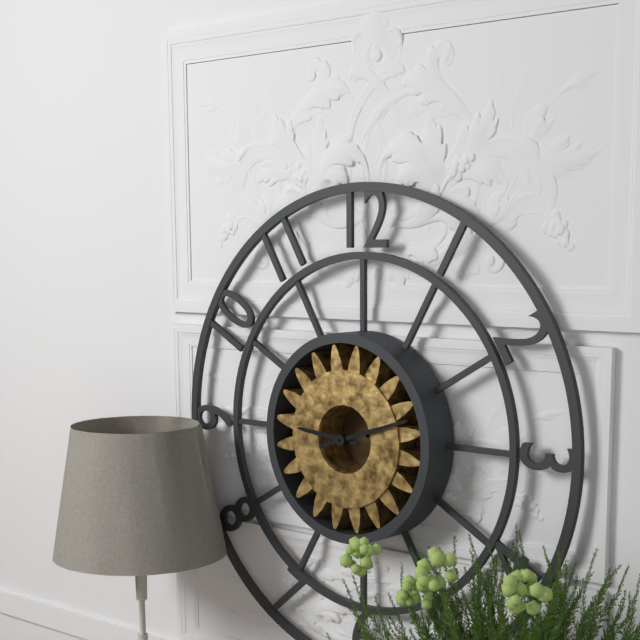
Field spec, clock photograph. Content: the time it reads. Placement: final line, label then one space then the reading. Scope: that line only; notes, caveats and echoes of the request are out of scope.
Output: 9:12
